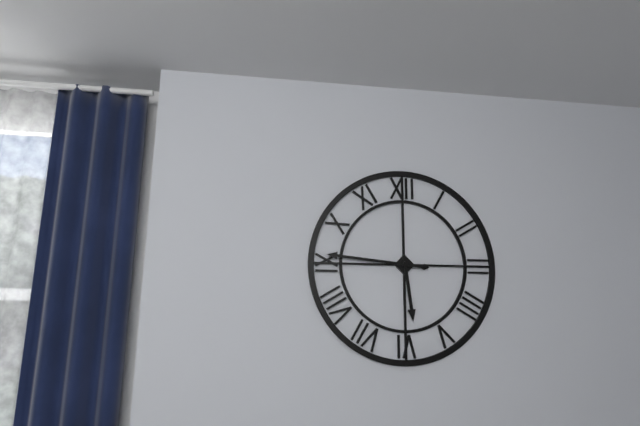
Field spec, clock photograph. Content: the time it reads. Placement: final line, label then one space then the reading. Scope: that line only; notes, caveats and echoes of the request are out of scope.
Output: 5:46
